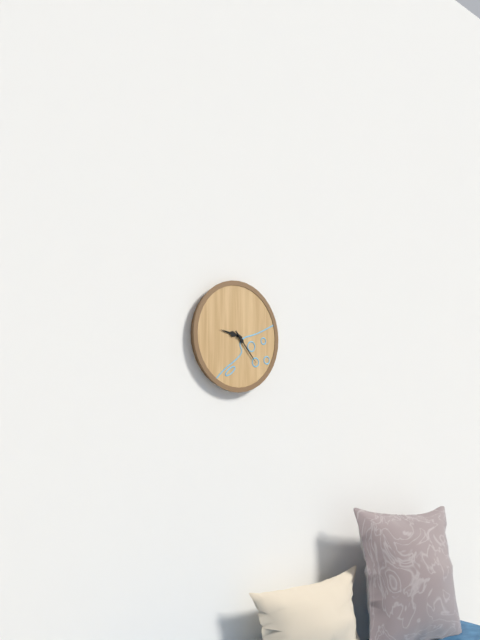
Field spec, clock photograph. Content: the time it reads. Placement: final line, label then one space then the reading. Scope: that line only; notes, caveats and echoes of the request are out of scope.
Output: 9:23
